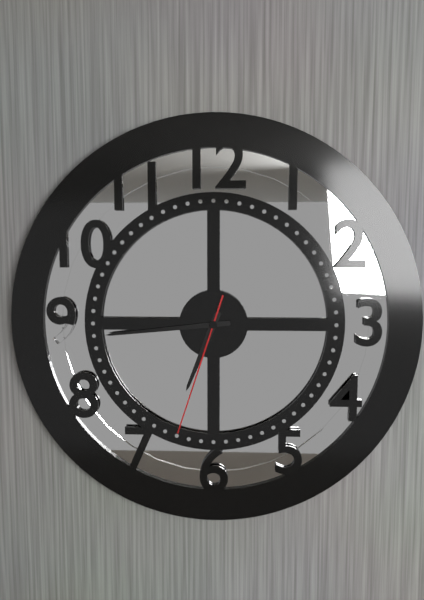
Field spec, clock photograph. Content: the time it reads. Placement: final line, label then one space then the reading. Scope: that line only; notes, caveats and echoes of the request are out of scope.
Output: 6:44:33
